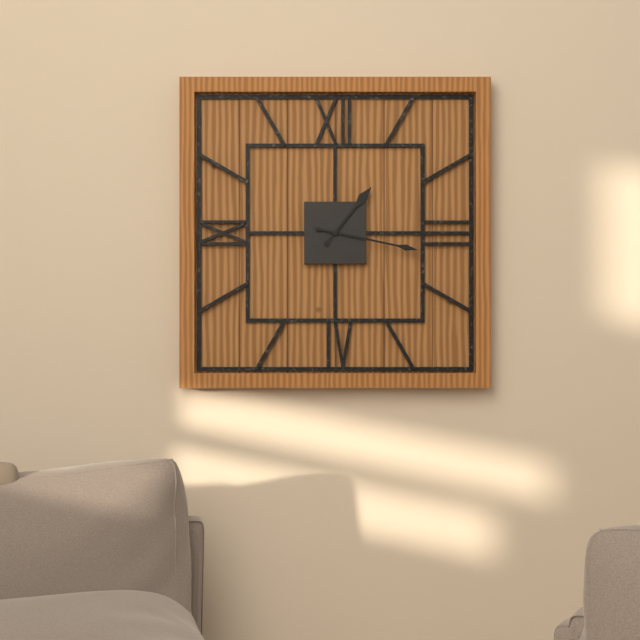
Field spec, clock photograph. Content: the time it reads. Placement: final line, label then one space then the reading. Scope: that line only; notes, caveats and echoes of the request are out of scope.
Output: 1:17
